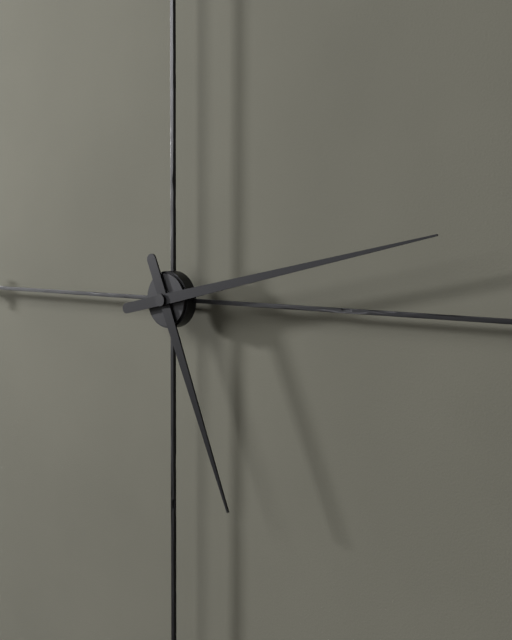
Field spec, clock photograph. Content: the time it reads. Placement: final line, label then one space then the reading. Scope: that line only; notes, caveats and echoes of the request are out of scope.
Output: 5:13
